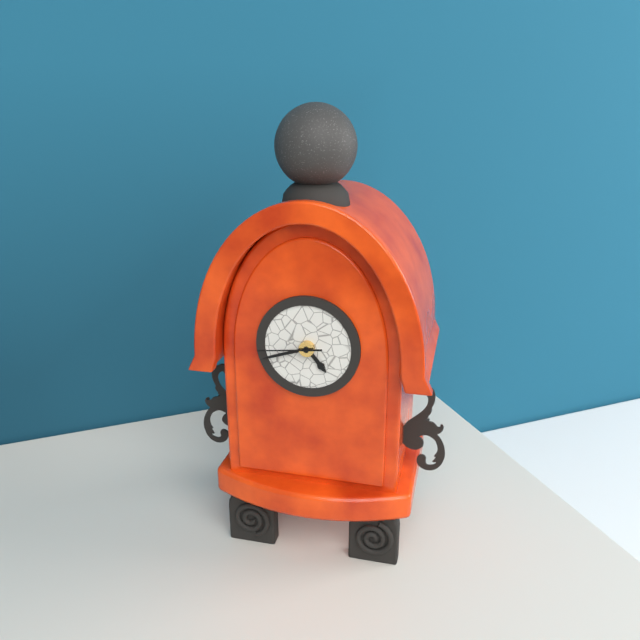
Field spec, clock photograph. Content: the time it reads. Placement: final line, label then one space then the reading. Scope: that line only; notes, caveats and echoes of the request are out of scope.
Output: 4:42:44
